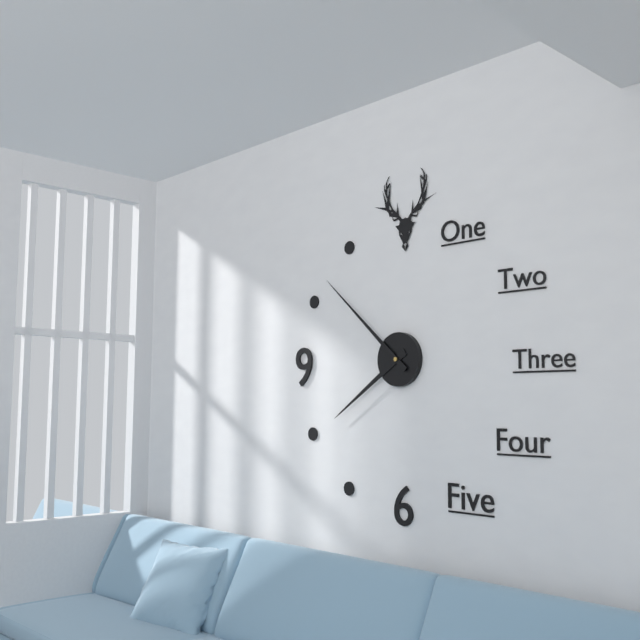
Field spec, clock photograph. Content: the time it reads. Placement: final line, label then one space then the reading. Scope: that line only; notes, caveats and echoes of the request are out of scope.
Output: 7:52
